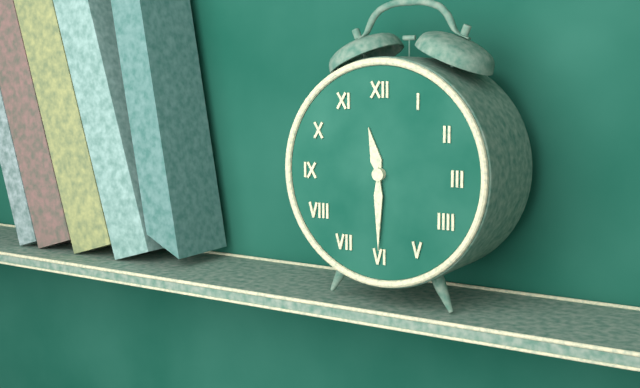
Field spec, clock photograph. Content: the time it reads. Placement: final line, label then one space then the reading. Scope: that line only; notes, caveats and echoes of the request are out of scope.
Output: 11:30
